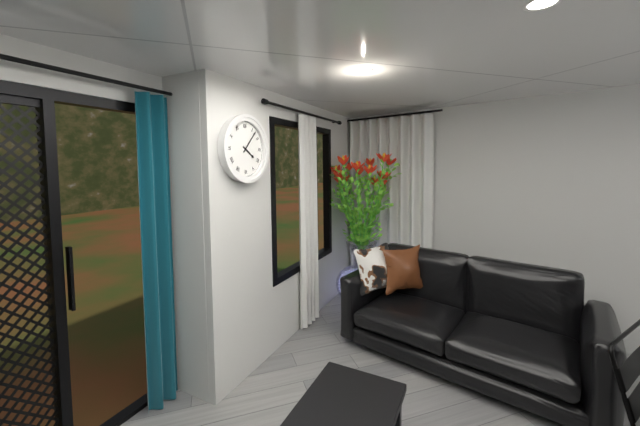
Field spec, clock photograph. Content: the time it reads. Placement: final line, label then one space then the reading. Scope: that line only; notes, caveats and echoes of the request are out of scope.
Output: 4:07
